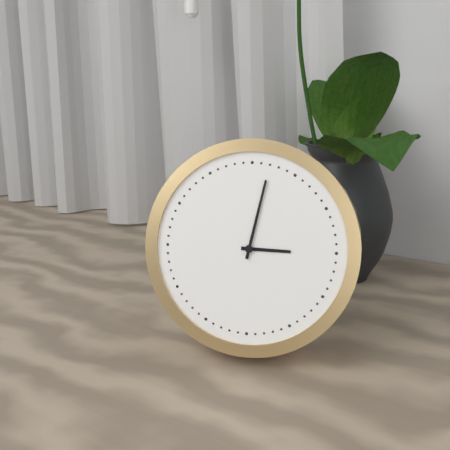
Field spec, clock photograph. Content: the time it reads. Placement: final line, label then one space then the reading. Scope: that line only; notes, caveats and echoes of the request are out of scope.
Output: 3:02
